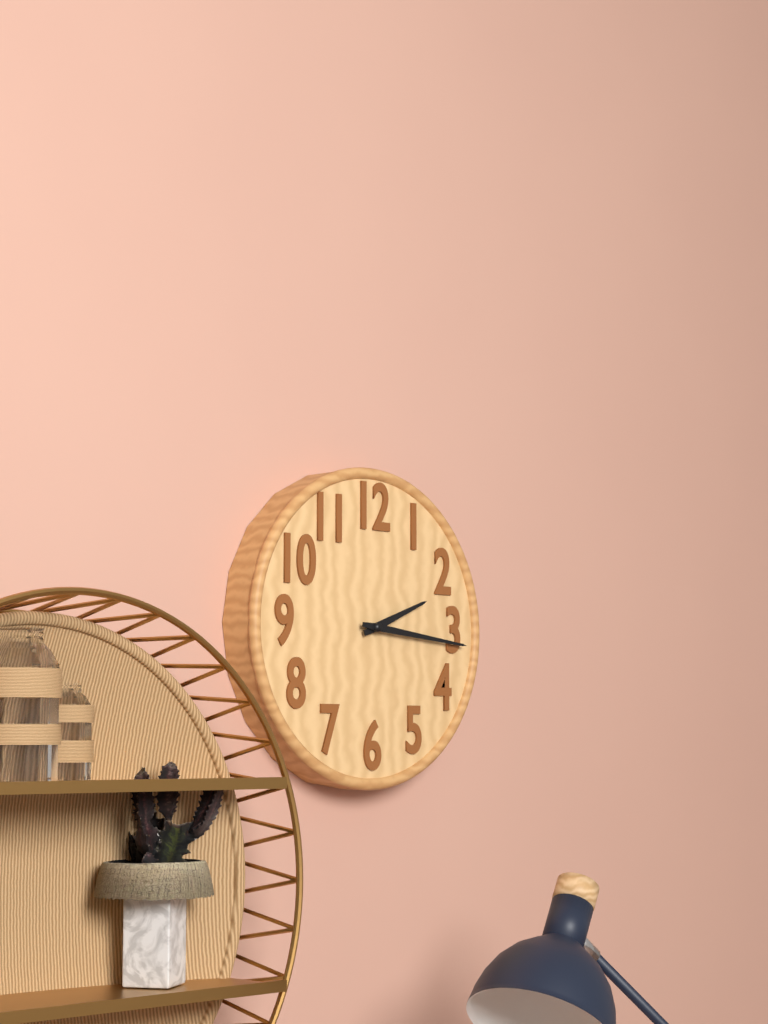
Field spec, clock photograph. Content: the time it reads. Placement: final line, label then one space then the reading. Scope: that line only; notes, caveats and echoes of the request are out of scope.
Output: 2:16
